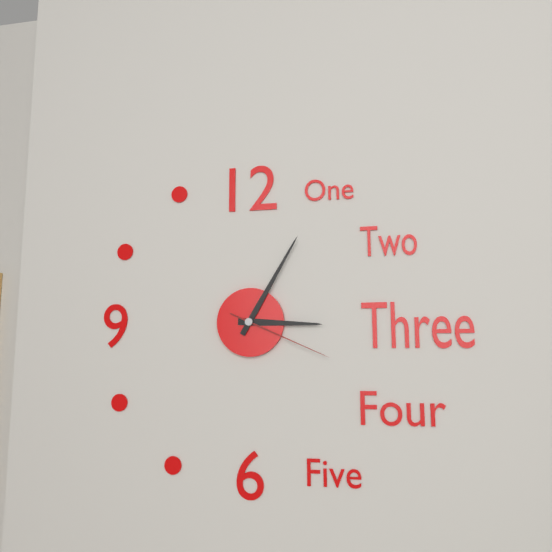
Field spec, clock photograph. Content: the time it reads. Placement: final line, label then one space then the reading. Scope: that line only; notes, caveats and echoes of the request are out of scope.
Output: 3:05:19
